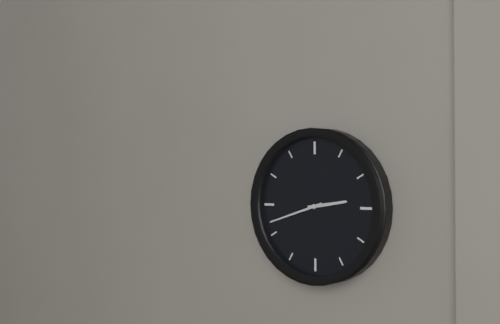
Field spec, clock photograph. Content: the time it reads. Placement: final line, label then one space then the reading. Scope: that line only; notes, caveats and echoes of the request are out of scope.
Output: 2:42
